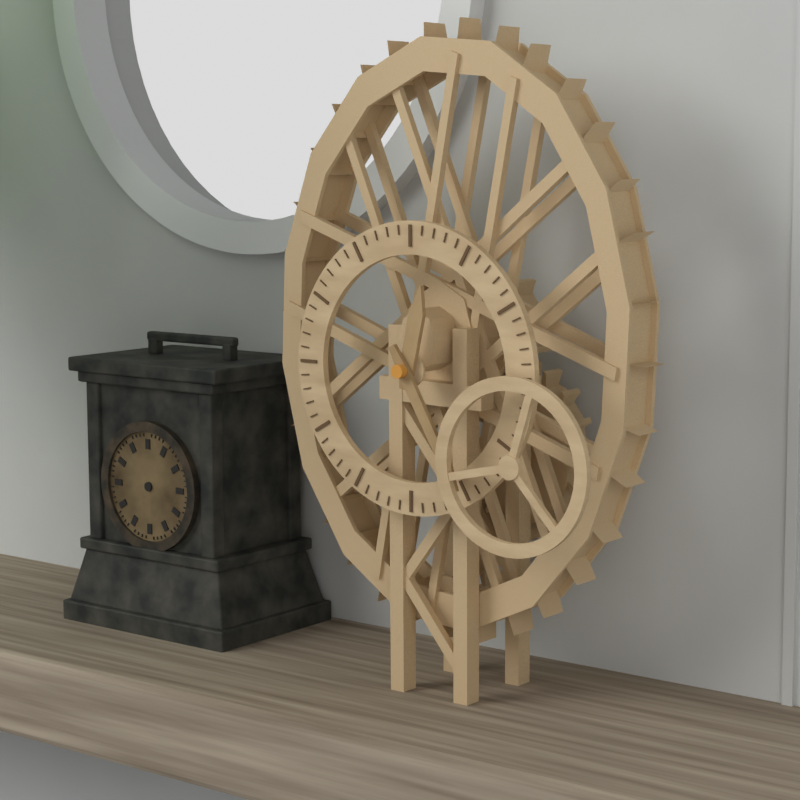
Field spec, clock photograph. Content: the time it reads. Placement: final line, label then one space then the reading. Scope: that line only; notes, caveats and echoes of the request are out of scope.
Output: 12:25
